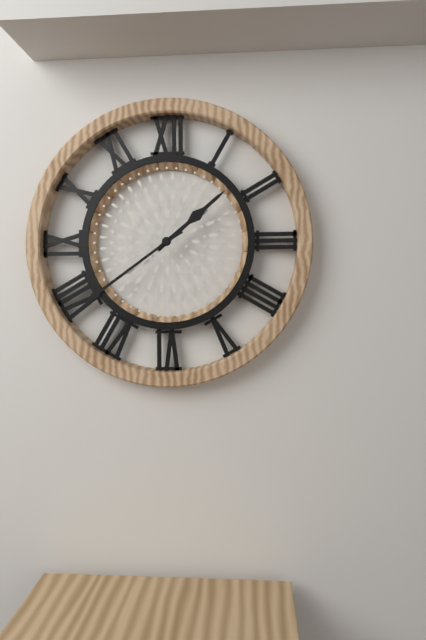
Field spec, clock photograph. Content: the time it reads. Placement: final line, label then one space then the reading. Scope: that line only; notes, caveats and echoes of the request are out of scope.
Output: 1:39
